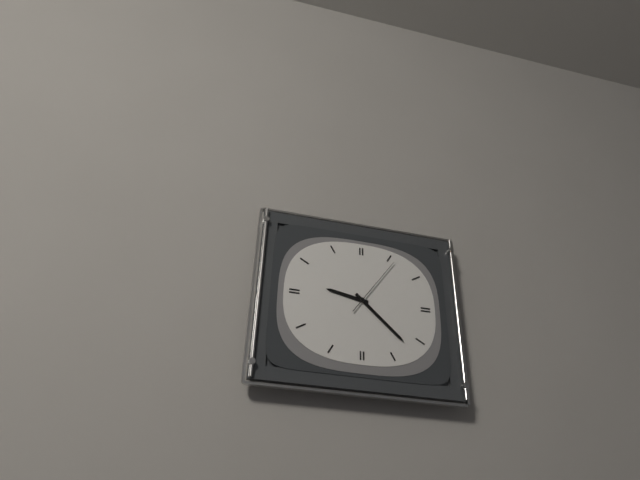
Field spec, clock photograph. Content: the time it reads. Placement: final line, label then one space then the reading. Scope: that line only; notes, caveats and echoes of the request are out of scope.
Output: 9:22:06
